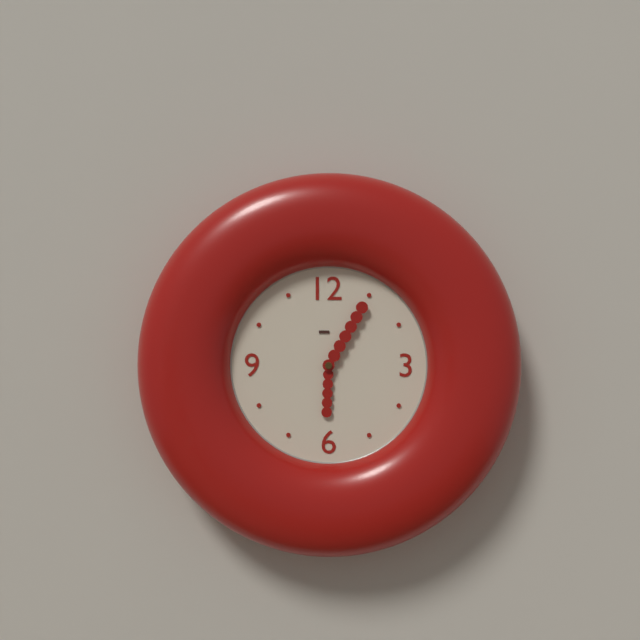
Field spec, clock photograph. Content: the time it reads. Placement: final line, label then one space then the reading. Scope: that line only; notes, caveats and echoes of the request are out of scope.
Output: 6:05
